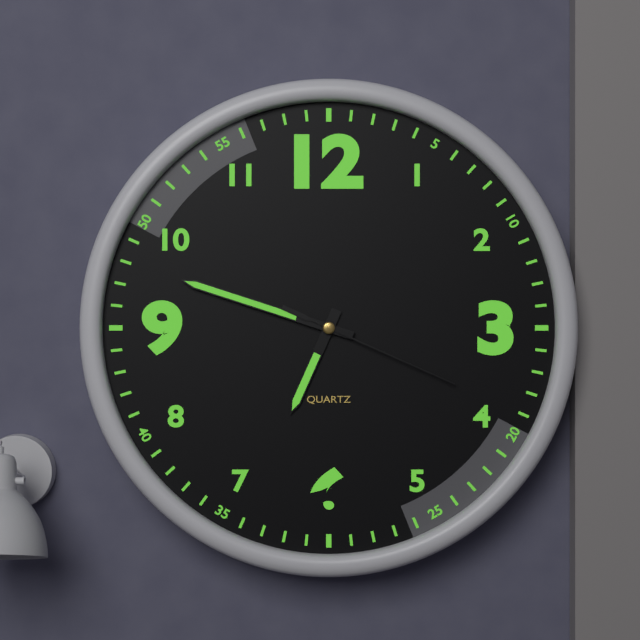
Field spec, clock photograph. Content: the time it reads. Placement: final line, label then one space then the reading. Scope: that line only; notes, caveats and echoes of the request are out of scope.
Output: 6:48:19
